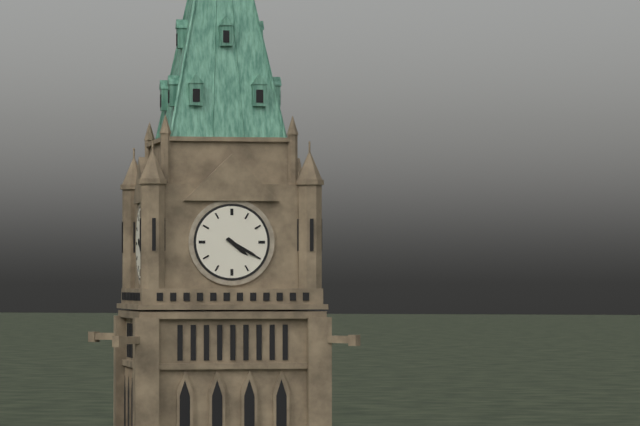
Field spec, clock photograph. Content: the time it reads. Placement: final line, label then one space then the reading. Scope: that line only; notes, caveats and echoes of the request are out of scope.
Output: 4:20
